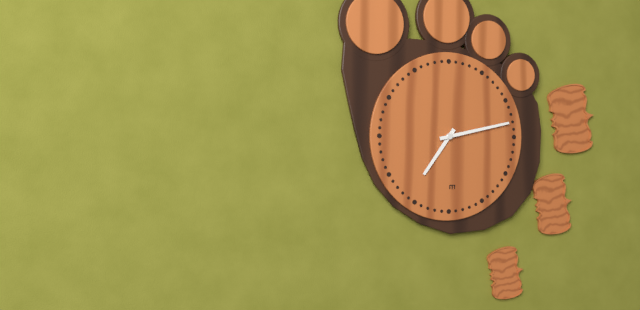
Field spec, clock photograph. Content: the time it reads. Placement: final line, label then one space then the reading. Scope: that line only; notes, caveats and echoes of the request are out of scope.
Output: 7:13
